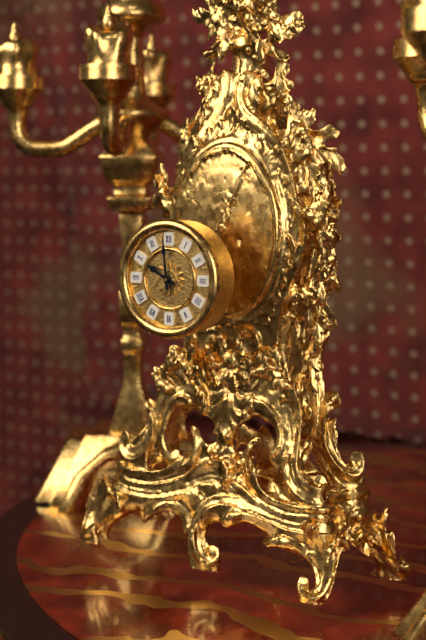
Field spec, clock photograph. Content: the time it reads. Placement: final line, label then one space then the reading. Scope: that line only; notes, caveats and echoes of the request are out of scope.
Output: 9:59
